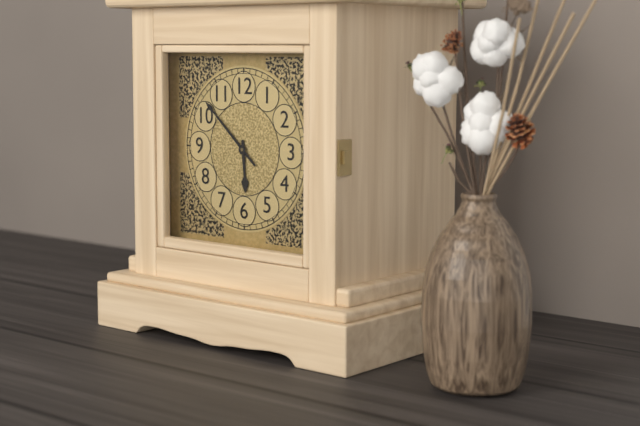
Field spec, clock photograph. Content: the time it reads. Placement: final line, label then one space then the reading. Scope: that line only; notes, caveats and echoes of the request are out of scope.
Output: 5:52
